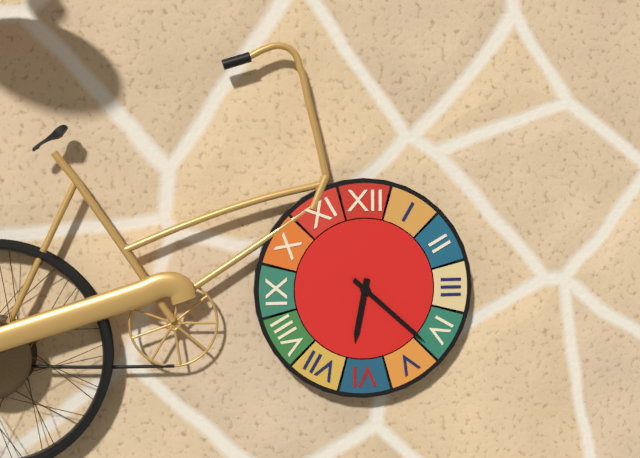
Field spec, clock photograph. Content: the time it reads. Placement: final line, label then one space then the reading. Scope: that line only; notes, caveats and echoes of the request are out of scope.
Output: 6:22
